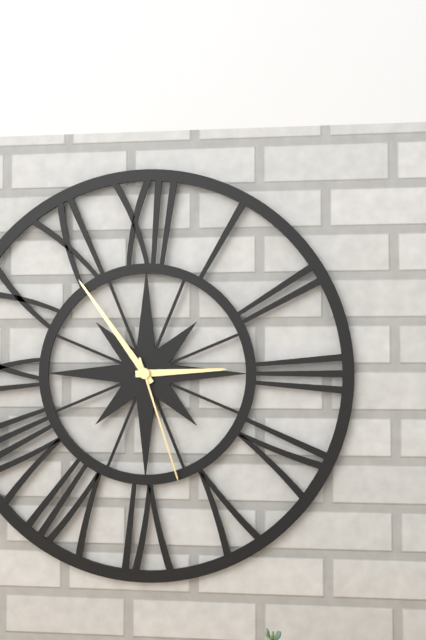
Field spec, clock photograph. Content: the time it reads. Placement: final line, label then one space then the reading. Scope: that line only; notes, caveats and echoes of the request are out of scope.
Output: 2:54:27
